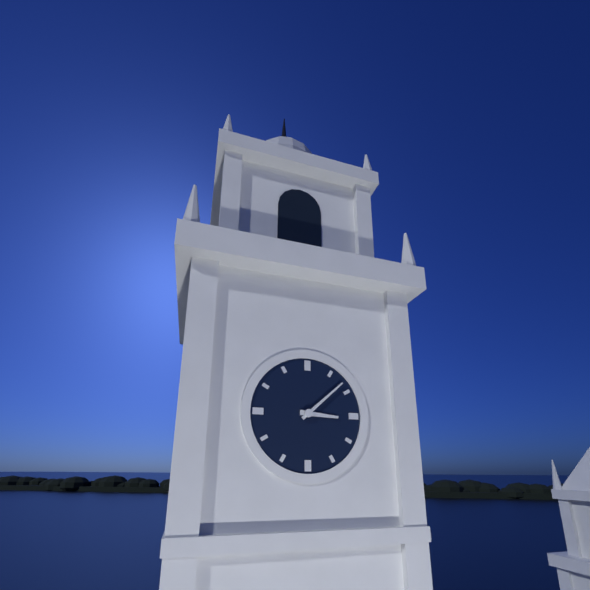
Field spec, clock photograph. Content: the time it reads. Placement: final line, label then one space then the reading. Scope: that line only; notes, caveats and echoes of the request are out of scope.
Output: 3:08
